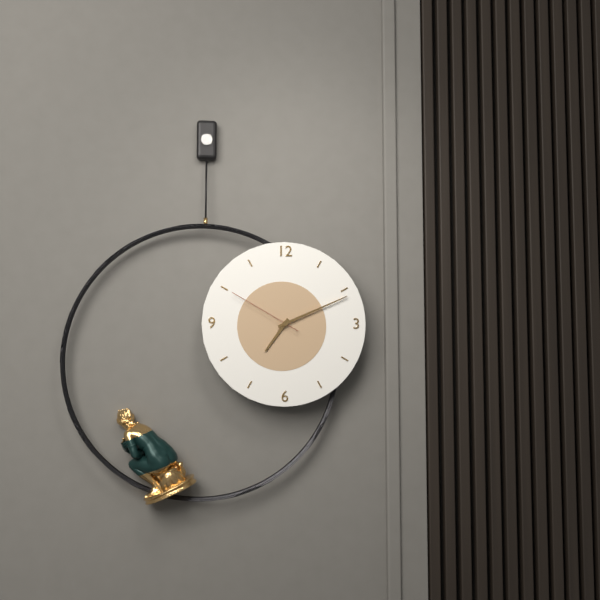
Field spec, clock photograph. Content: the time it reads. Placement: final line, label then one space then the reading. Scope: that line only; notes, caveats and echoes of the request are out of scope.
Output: 7:11:50
